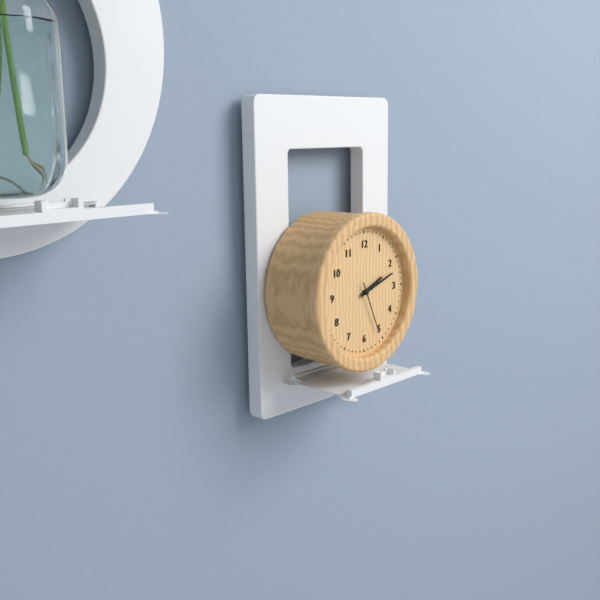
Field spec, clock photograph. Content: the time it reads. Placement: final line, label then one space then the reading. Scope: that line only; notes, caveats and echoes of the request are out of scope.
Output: 2:12:26
